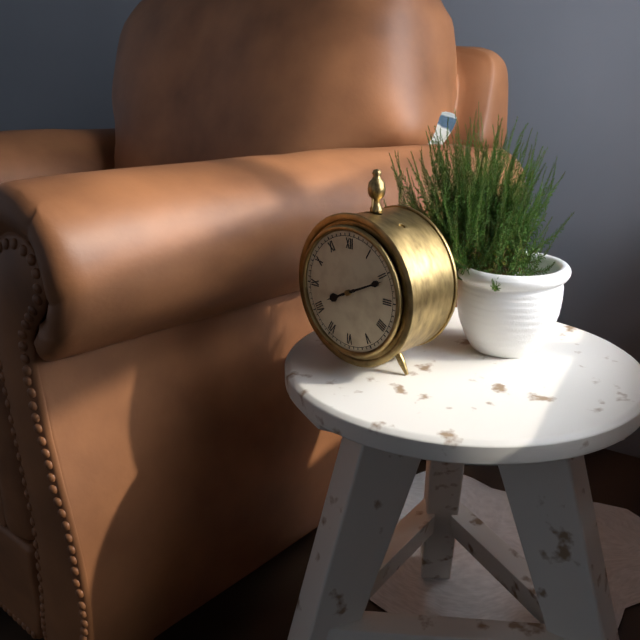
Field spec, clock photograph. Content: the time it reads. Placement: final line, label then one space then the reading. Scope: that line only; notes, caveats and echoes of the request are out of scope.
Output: 8:11
